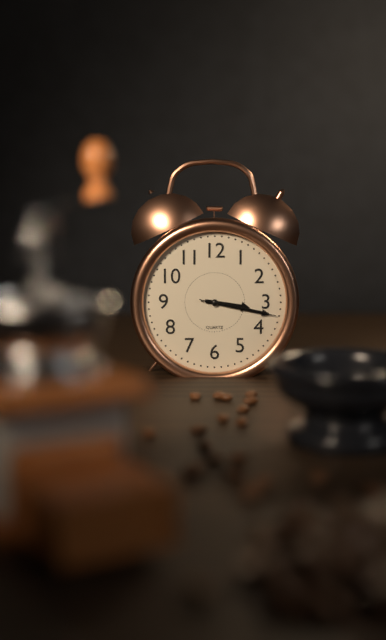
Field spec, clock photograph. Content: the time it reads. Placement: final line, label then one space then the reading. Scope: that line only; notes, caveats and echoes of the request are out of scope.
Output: 3:17:17
